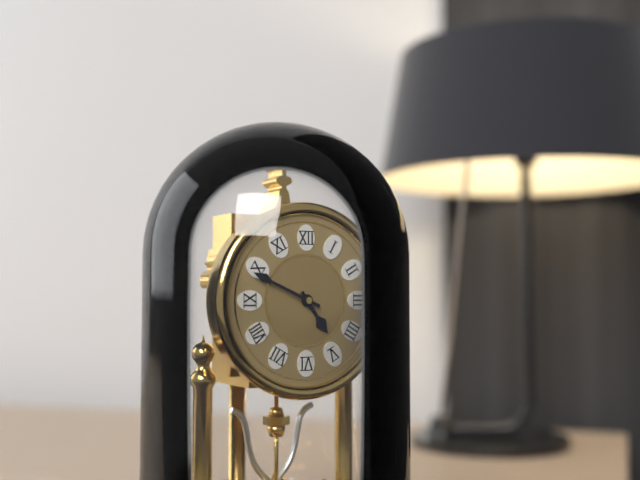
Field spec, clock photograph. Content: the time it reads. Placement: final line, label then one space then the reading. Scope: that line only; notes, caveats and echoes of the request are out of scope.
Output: 4:49
